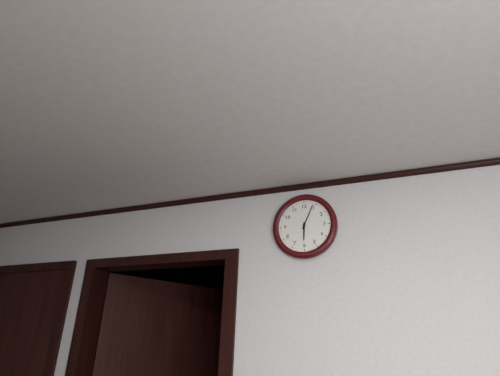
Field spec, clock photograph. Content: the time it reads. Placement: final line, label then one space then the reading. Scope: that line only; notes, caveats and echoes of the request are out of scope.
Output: 6:04
